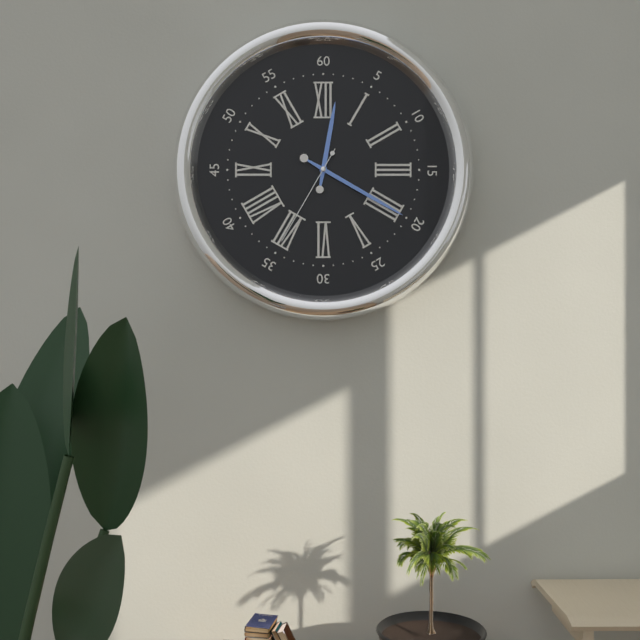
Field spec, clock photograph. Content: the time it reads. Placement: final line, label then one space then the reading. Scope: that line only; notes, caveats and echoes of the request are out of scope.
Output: 12:20:35
